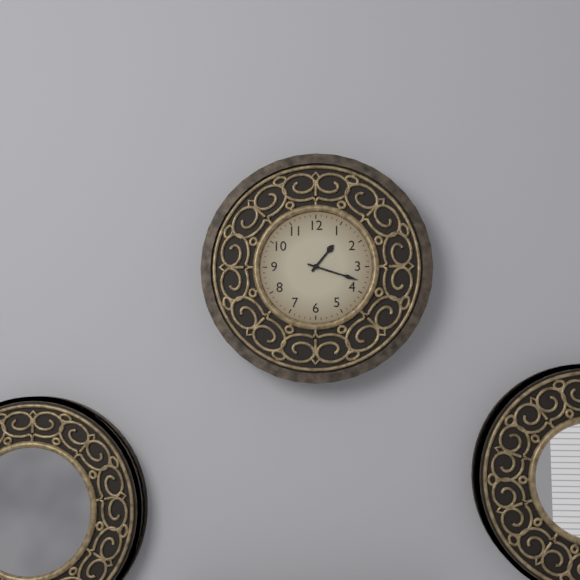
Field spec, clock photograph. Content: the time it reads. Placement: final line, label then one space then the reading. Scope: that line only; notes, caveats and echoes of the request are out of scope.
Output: 1:18
